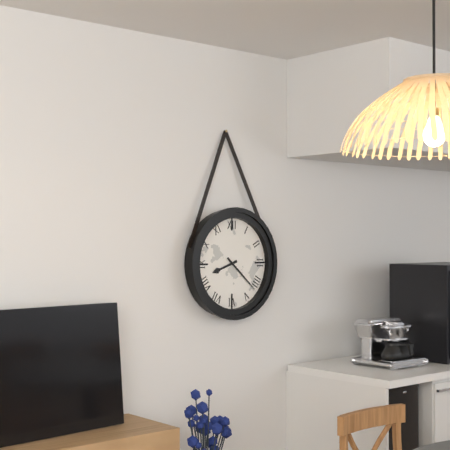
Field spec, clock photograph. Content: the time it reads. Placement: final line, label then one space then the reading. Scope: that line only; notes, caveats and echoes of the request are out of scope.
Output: 8:22
